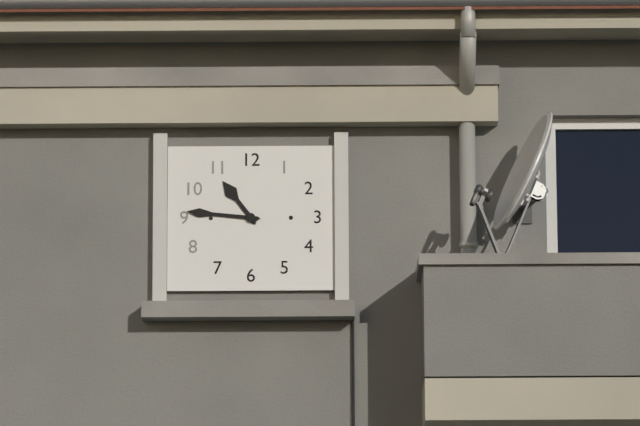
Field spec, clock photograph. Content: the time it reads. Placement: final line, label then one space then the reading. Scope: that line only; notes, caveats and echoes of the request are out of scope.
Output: 10:46
